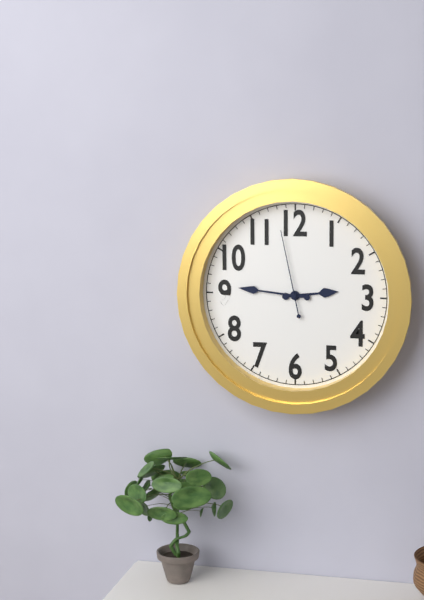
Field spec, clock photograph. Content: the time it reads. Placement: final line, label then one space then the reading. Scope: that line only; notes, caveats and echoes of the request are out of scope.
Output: 2:46:58
